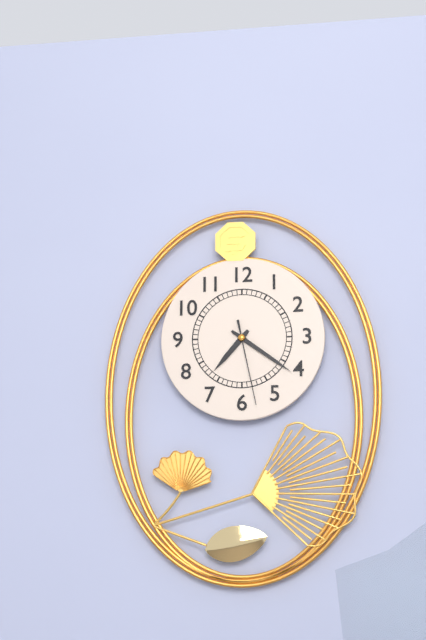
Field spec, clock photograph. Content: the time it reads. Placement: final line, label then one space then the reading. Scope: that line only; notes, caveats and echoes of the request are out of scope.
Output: 7:21:28
